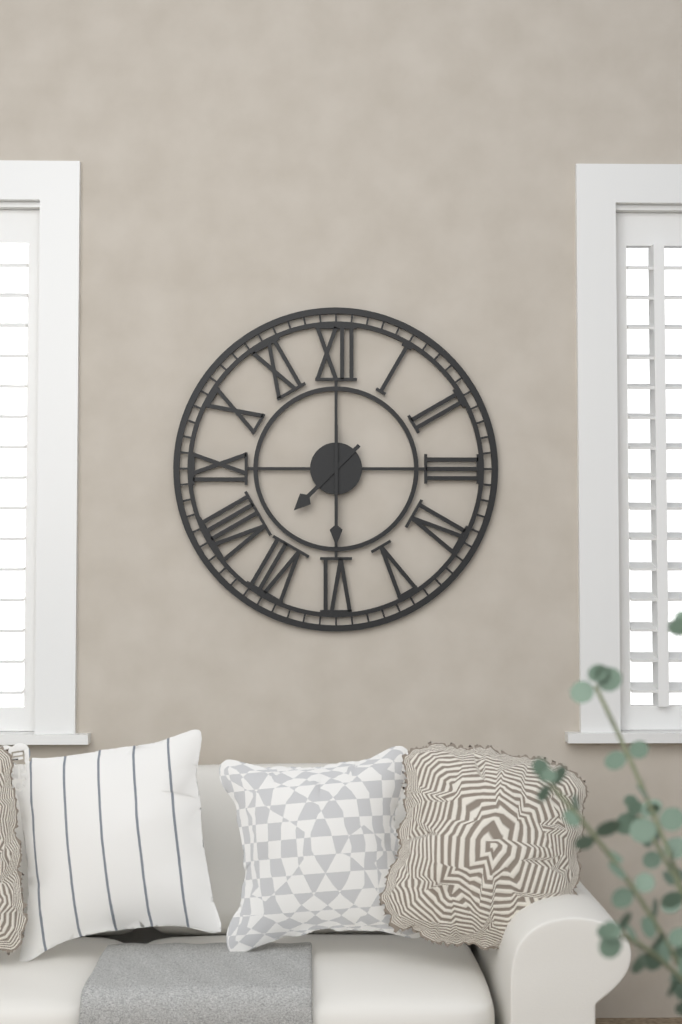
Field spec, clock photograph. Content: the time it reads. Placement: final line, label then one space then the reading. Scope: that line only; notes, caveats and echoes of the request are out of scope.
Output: 7:30
